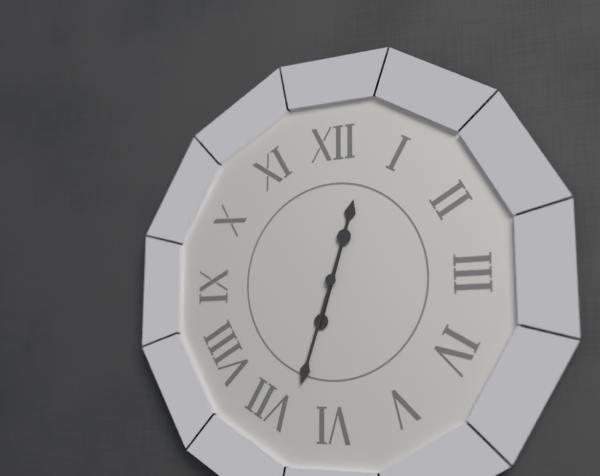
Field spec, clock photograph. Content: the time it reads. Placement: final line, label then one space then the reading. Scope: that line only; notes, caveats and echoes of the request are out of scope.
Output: 12:33
